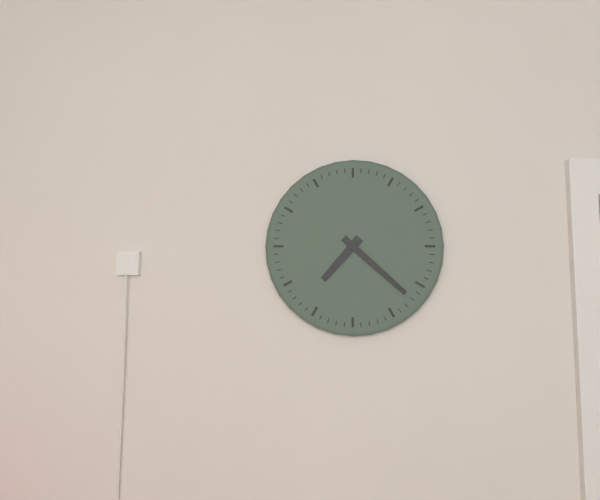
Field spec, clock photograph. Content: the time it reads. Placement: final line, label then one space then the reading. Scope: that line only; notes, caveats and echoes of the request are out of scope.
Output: 7:22
